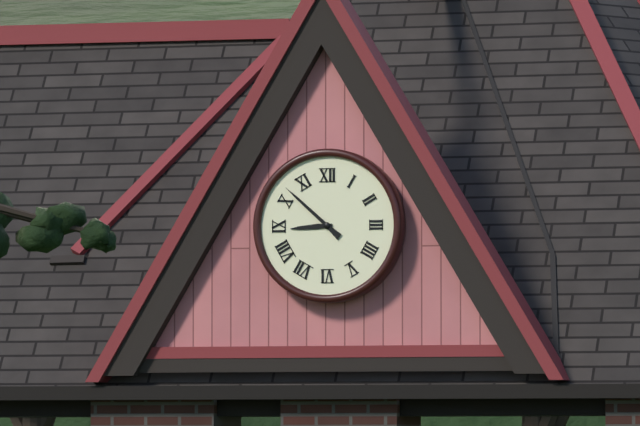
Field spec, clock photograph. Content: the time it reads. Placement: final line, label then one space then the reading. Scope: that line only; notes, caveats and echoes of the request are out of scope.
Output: 8:52
